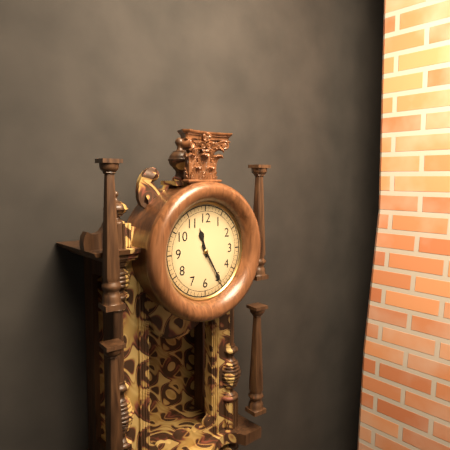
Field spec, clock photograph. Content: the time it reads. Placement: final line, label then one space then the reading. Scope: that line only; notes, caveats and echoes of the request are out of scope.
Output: 11:25
